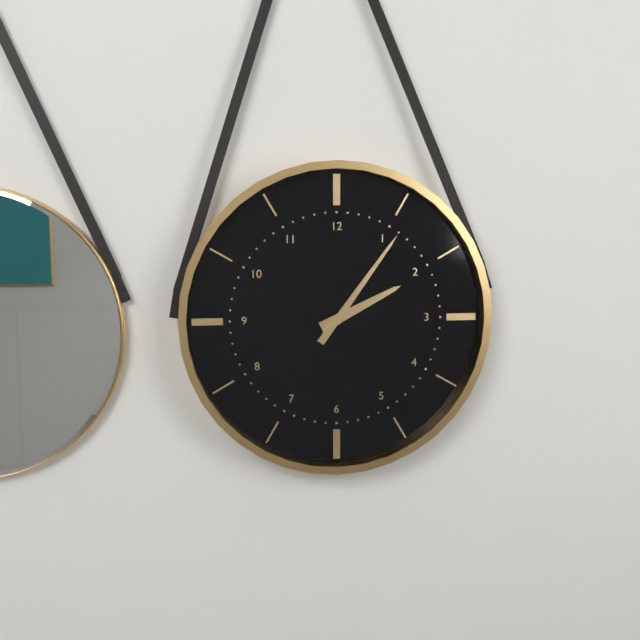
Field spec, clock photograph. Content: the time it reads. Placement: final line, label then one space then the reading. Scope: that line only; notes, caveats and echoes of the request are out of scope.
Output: 2:06
